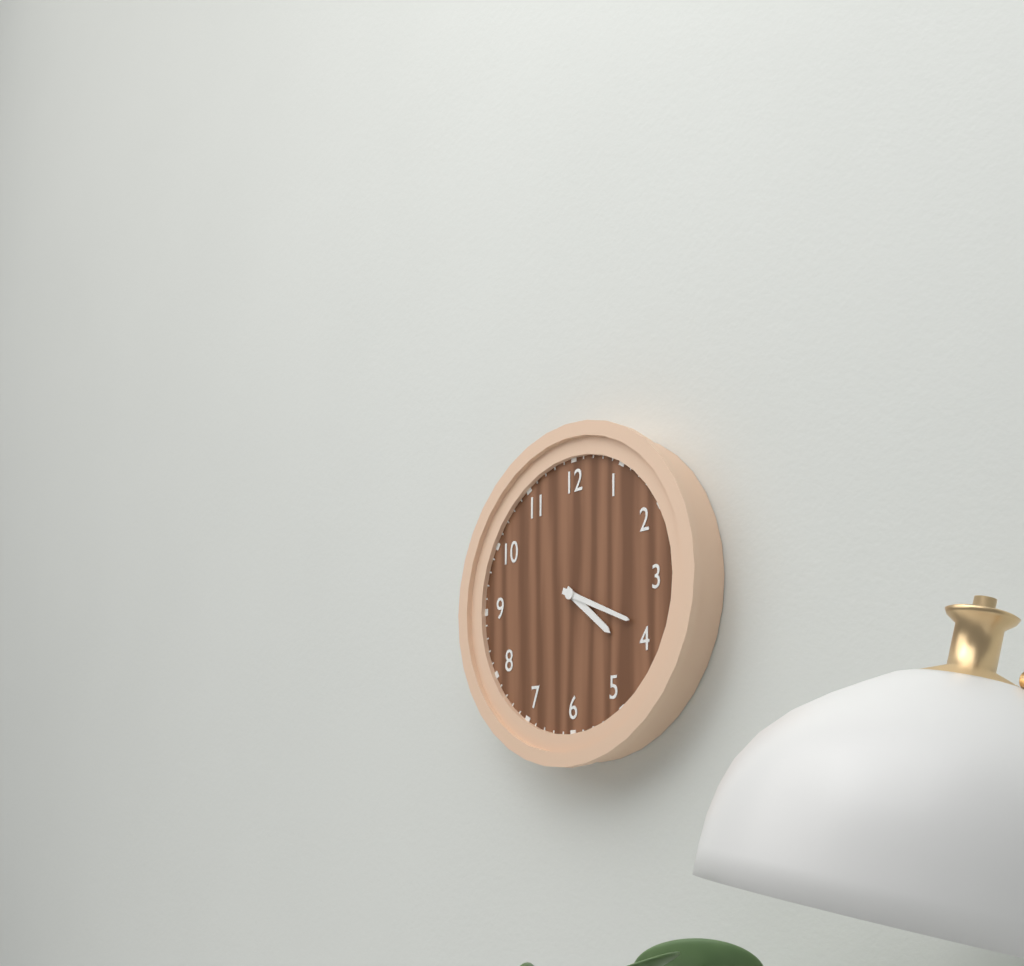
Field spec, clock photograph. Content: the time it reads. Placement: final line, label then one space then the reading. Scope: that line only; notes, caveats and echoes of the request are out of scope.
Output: 4:19
